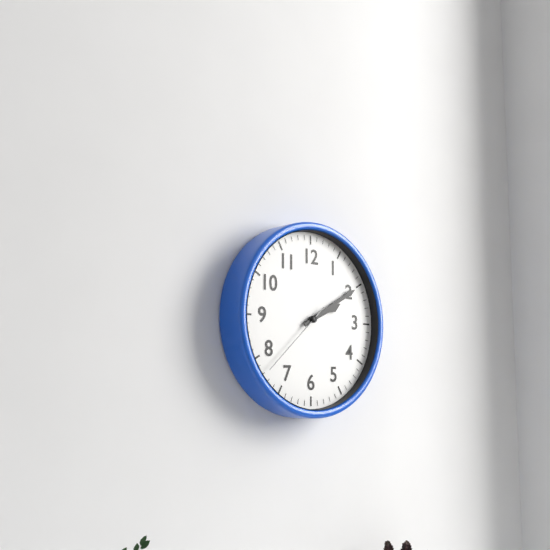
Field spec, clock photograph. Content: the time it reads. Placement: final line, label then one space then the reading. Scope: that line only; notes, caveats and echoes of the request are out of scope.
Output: 2:10:38
